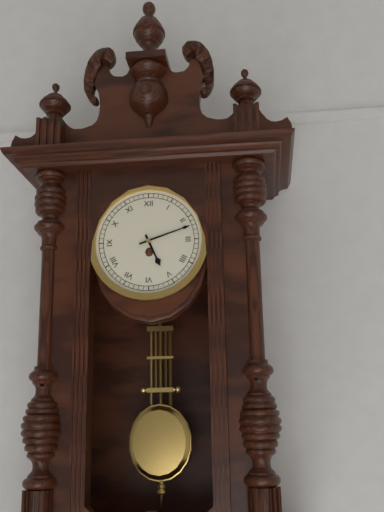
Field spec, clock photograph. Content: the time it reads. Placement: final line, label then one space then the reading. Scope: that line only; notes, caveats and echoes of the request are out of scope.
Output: 5:12
